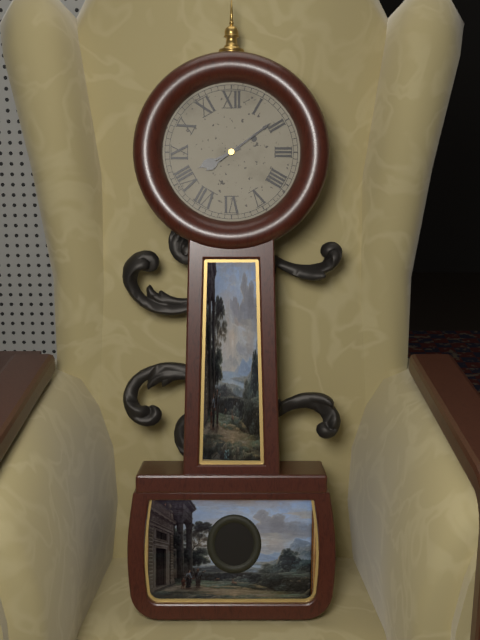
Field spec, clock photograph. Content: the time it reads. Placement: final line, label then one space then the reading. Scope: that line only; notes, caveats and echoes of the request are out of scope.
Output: 8:09
